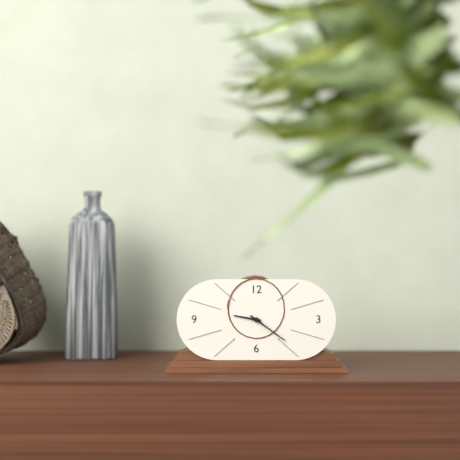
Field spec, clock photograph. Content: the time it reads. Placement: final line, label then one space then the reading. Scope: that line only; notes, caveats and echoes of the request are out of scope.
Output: 9:21
